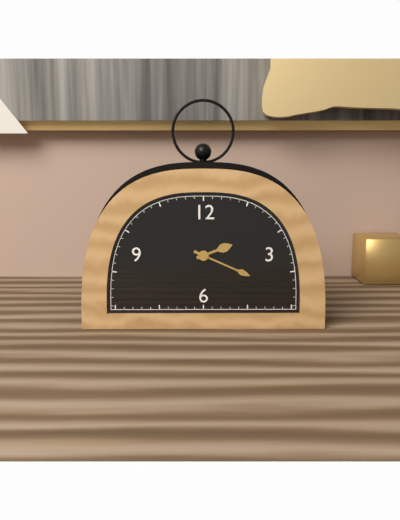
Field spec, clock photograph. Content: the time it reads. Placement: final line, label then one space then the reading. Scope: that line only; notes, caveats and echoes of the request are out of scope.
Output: 2:19
